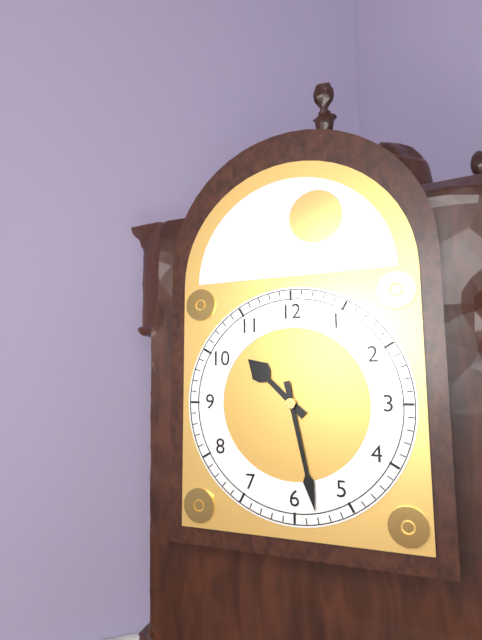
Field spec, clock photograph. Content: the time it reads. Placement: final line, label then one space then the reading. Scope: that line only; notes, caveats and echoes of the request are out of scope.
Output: 10:28
